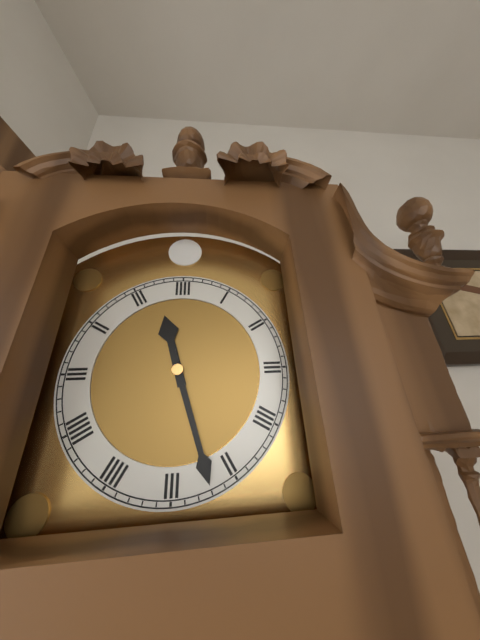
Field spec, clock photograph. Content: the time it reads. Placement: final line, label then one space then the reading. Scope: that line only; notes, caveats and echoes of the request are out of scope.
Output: 11:27
